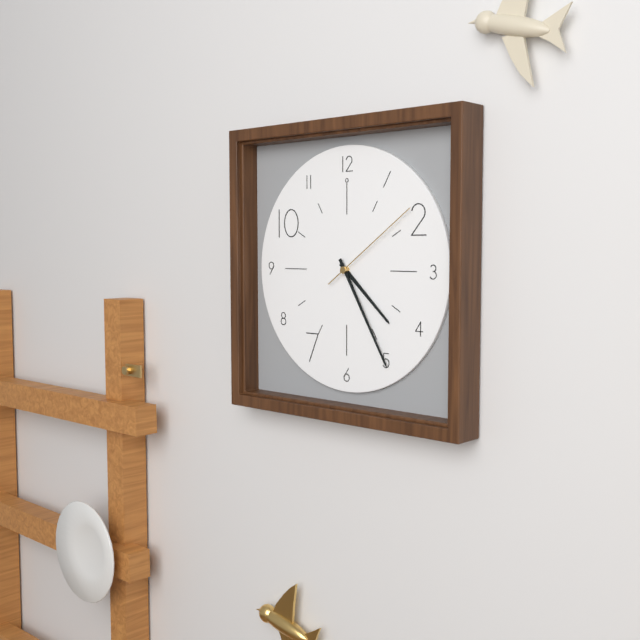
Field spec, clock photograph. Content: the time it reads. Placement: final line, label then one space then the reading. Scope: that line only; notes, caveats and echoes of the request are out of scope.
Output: 4:25:09
